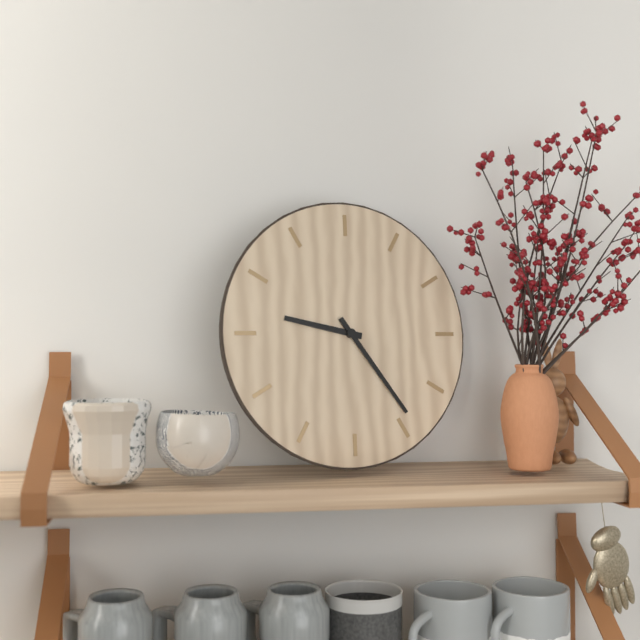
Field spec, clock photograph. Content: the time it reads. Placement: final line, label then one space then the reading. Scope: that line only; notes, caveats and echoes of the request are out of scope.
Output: 9:24
